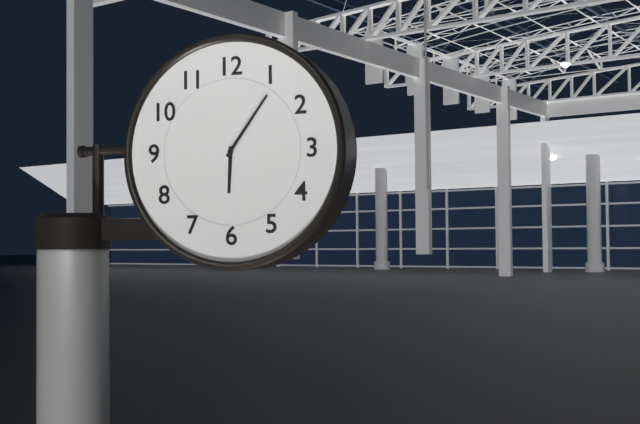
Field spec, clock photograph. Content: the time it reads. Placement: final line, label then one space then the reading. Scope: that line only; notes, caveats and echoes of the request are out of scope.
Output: 6:06
